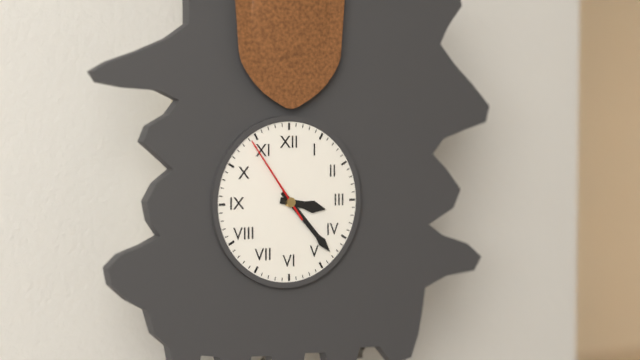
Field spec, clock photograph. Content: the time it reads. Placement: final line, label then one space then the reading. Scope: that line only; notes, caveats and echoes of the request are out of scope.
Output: 3:23:54
